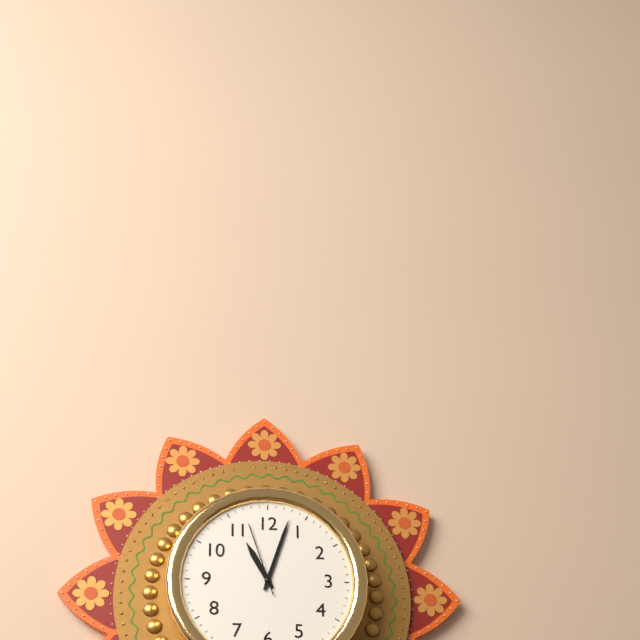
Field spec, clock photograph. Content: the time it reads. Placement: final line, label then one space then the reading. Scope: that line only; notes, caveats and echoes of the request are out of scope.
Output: 11:03:57
